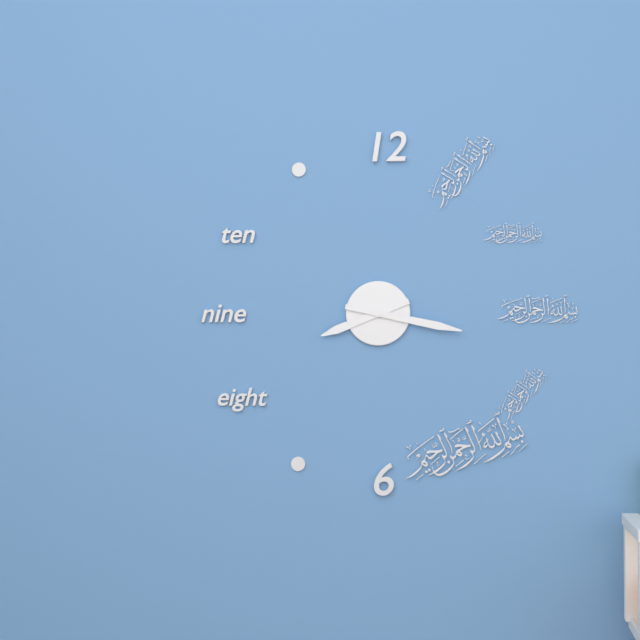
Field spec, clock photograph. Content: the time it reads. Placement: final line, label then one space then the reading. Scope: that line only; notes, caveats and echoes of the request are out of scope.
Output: 8:17
